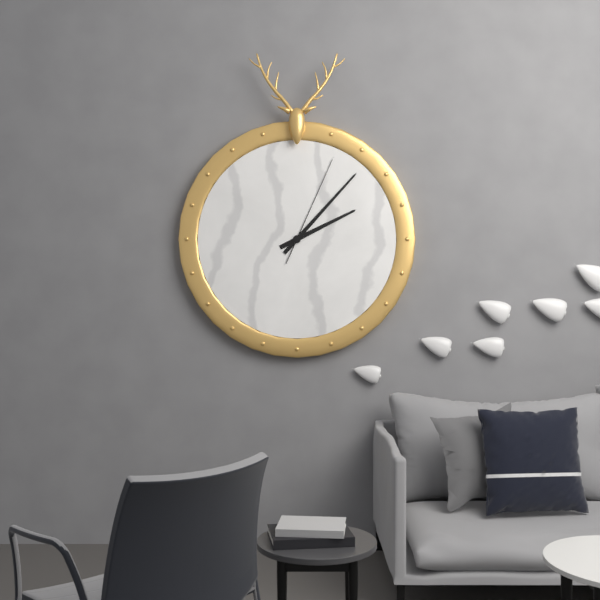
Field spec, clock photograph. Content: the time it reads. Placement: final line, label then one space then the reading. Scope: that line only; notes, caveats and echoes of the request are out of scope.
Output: 2:07:04
